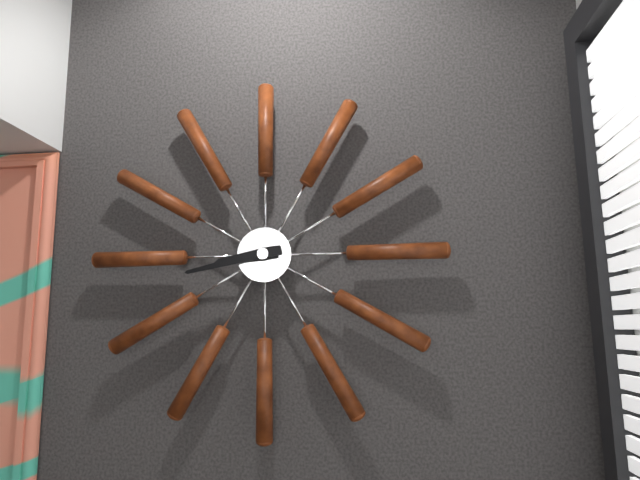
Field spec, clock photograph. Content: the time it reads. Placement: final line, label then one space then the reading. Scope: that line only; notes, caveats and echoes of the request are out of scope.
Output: 8:43
